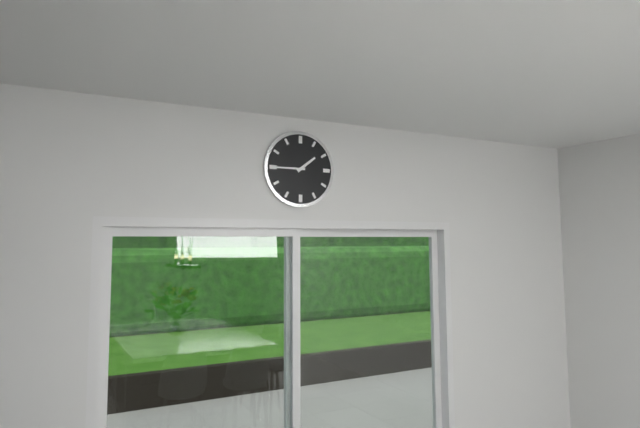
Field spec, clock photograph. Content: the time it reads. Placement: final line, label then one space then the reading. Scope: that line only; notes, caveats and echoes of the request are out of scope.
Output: 1:45
